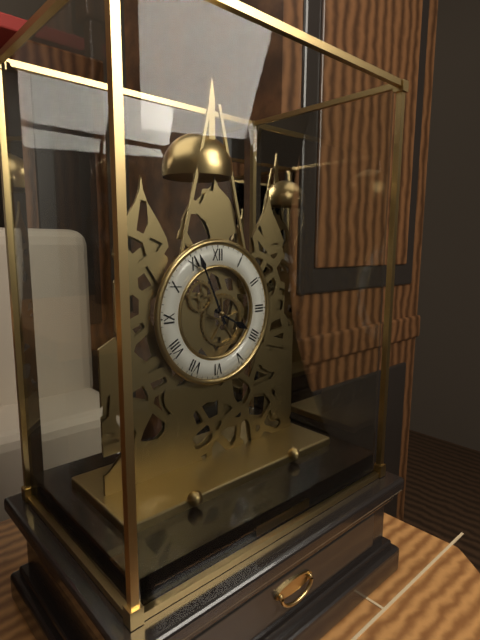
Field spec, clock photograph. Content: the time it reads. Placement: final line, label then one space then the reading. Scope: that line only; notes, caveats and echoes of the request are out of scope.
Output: 3:56
